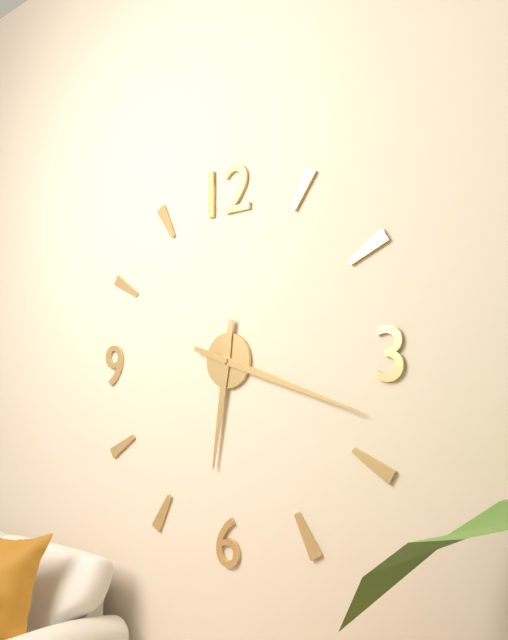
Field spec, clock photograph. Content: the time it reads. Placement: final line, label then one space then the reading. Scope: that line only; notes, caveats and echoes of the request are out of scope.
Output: 6:18
